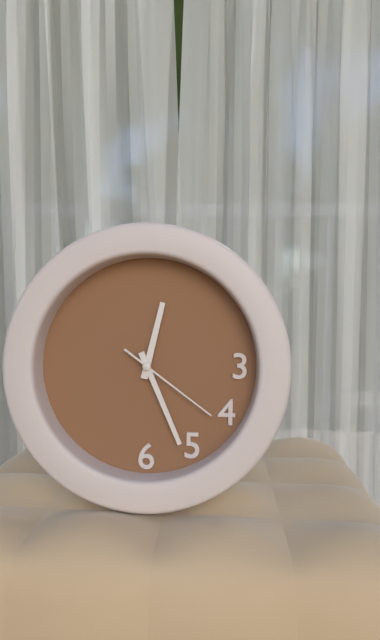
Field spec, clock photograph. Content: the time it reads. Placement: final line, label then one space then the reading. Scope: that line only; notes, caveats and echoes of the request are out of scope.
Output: 12:26:21
